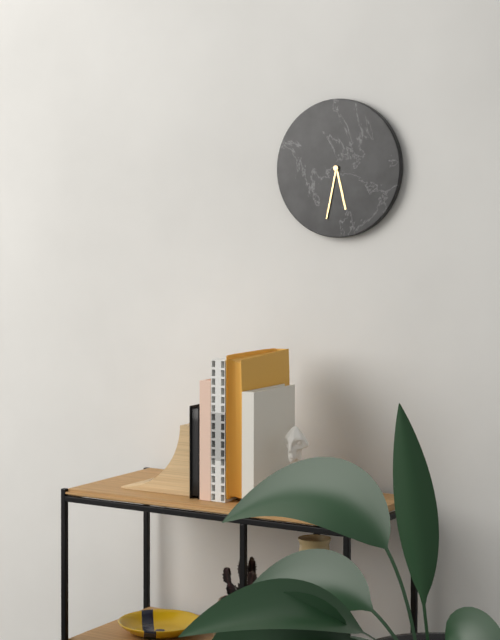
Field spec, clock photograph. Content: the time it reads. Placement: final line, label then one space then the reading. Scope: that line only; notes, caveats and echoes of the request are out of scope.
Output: 5:32
